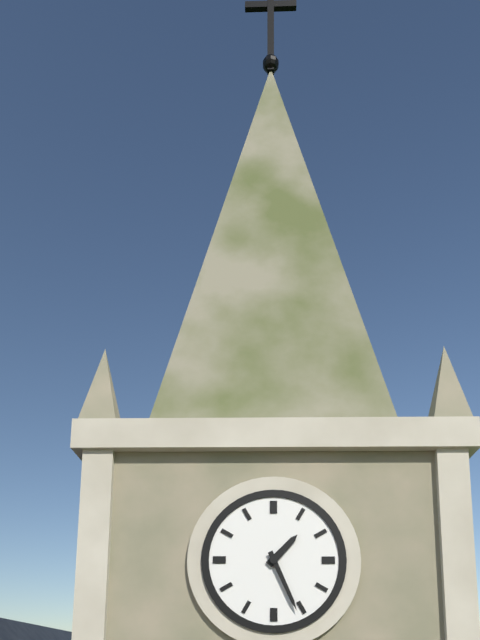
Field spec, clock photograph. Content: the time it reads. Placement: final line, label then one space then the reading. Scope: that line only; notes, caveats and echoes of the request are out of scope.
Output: 1:26
